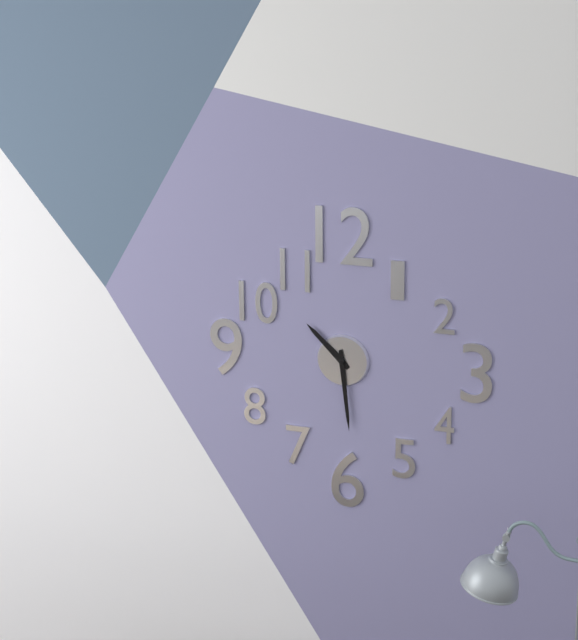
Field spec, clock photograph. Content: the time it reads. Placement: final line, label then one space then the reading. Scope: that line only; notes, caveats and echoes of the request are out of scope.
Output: 10:29
